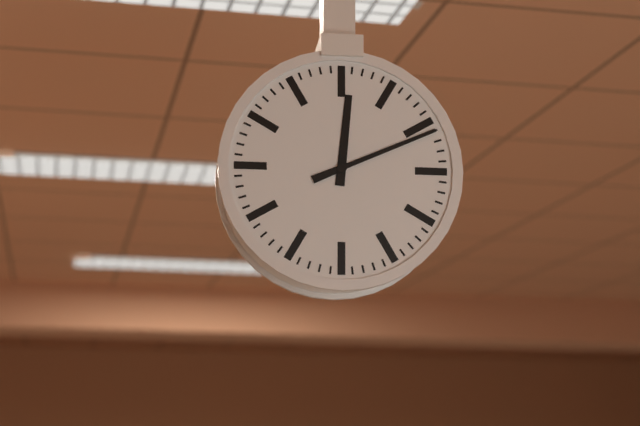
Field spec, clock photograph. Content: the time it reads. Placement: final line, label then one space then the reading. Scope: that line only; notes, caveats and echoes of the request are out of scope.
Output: 12:11
